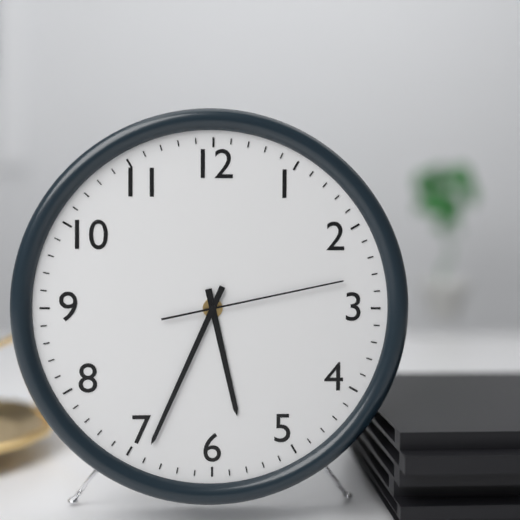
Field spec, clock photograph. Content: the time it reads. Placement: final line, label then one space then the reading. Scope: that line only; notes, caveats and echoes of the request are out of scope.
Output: 5:34:13
